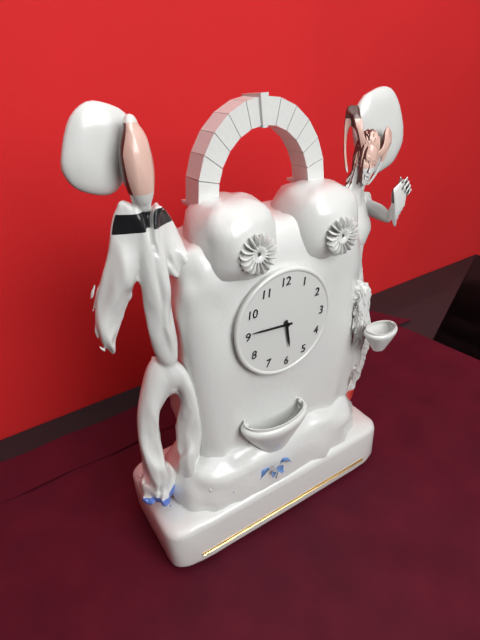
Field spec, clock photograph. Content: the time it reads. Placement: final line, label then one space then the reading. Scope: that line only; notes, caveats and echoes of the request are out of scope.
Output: 5:46
